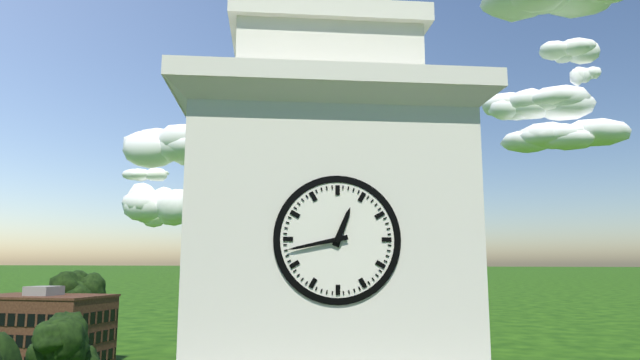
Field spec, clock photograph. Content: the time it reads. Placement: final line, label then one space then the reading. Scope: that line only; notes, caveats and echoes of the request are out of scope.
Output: 12:43
